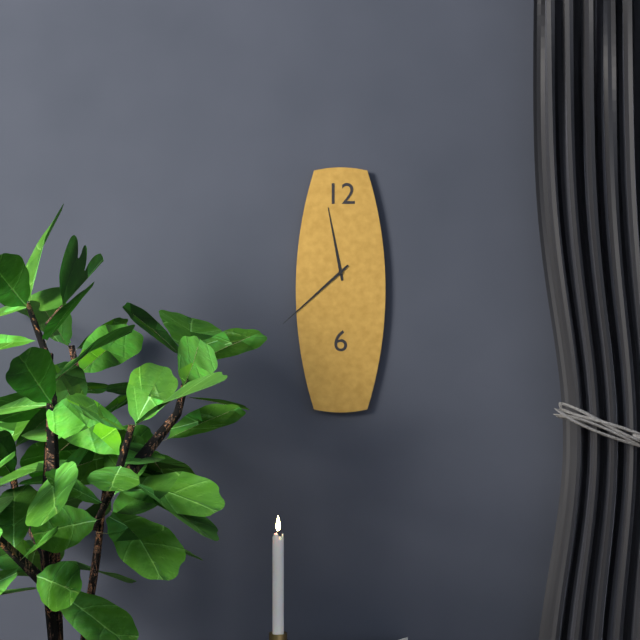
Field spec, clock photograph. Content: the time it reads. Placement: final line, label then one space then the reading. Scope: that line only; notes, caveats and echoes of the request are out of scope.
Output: 11:38
